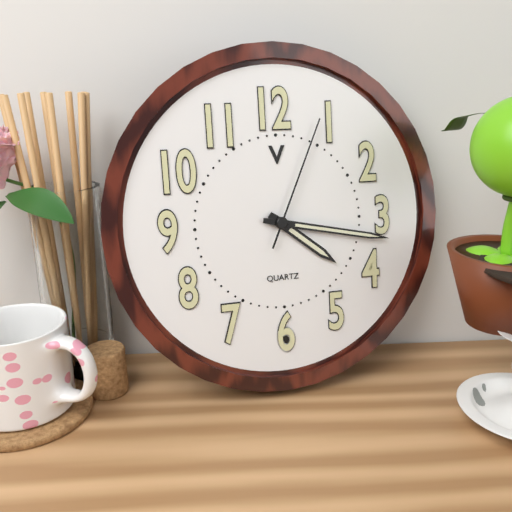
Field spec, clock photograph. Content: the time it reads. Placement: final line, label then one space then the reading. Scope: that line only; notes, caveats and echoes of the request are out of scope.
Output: 4:17:04
